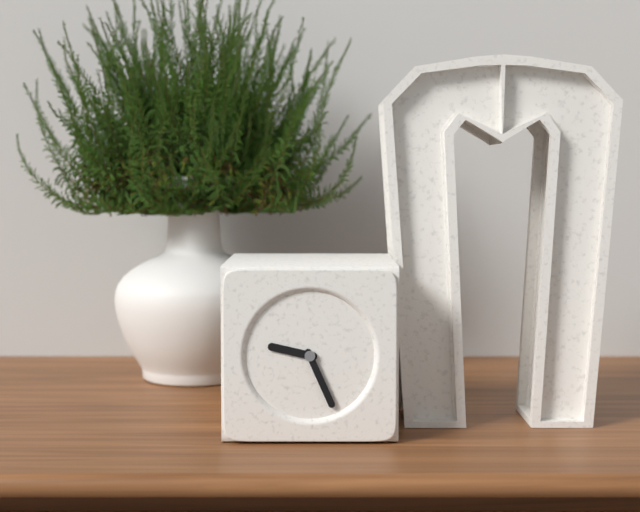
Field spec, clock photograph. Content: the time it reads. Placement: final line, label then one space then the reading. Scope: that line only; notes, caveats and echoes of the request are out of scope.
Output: 9:26
